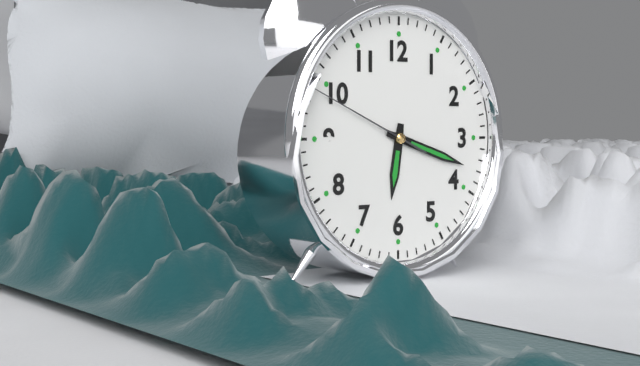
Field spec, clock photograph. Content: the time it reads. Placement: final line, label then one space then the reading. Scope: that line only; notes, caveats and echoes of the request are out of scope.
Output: 6:18:49
